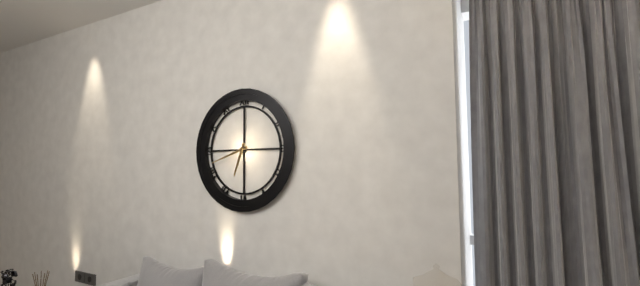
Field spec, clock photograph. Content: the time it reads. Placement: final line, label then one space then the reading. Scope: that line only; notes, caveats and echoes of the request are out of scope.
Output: 6:42
